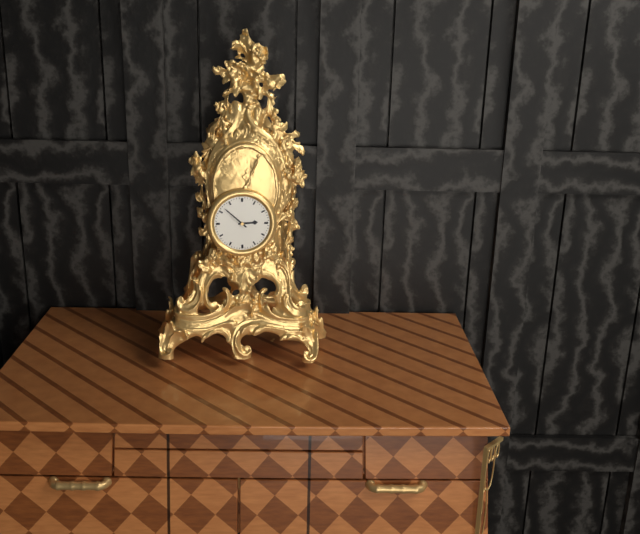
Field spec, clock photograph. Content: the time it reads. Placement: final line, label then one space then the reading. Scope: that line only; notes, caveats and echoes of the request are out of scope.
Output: 2:52
